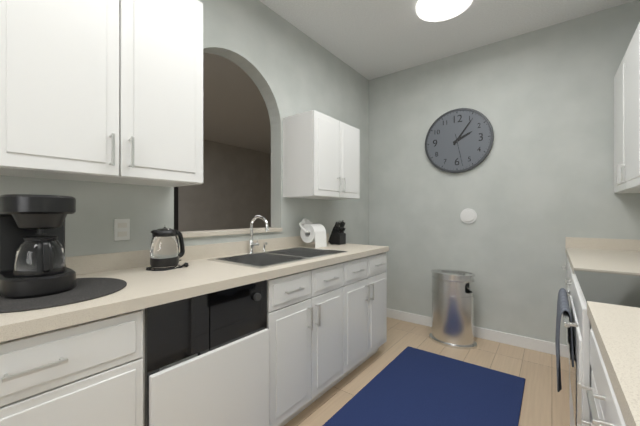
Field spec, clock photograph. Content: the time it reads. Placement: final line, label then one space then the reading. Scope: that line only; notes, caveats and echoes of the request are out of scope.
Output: 2:06
